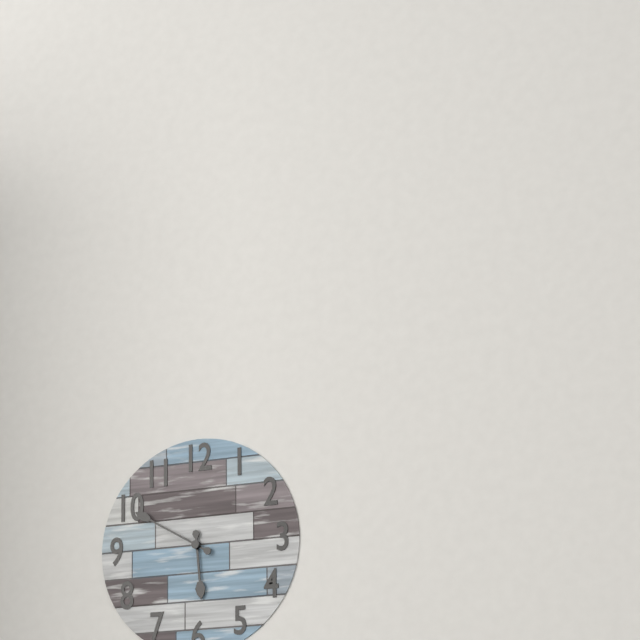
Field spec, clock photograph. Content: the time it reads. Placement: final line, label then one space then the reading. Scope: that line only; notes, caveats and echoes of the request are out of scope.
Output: 5:50
